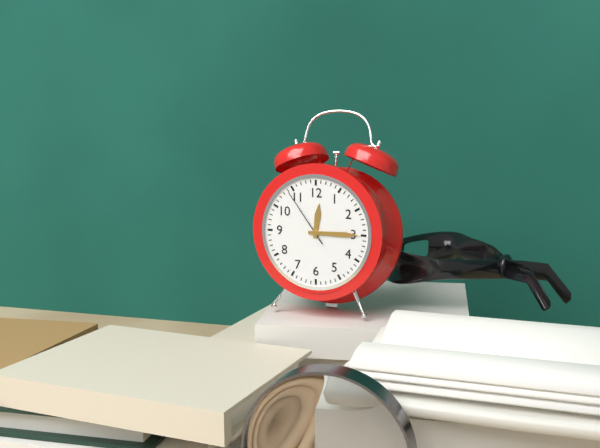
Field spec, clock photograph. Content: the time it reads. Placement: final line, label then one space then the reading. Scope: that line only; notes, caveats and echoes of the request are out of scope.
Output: 12:15:54
